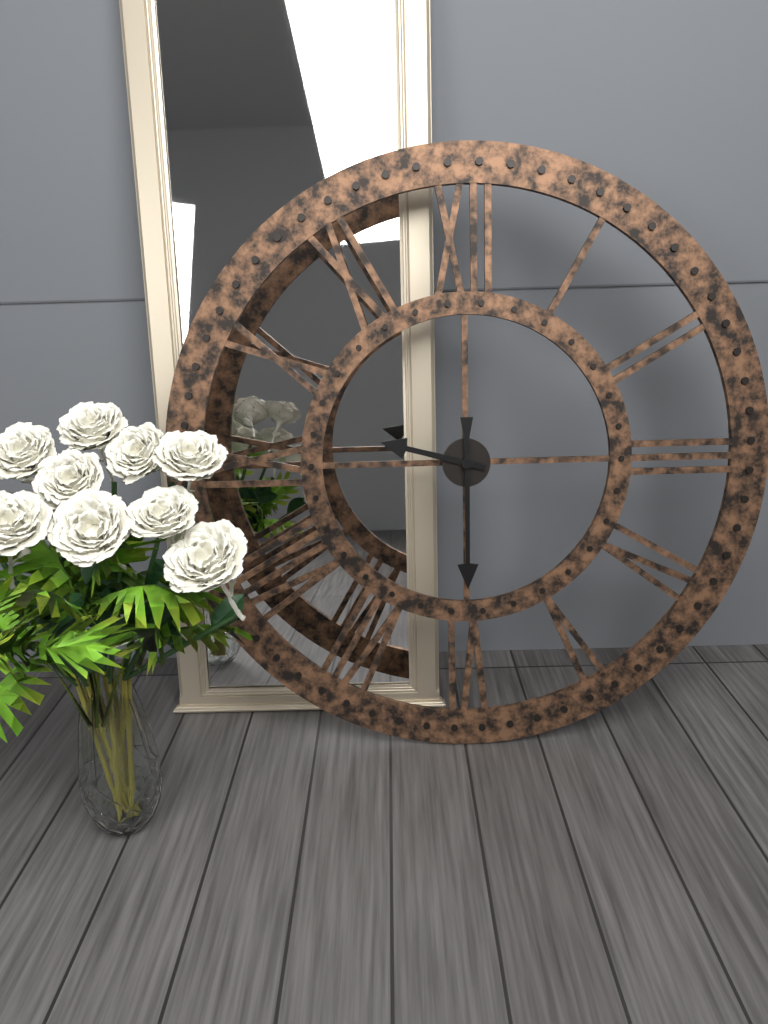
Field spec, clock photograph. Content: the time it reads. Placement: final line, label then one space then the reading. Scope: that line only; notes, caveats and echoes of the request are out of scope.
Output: 9:30
